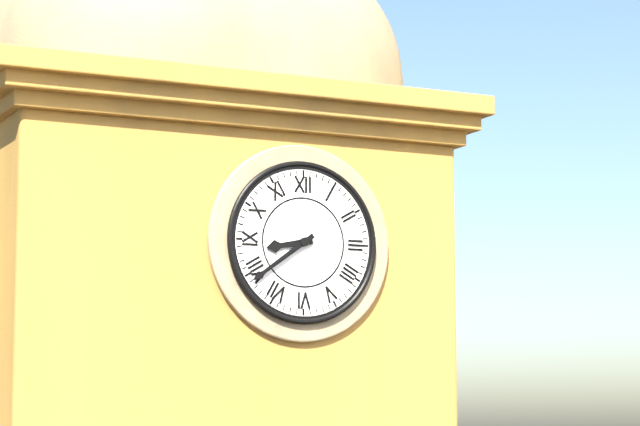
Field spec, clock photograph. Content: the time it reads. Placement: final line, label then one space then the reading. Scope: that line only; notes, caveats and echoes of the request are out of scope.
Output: 8:39
